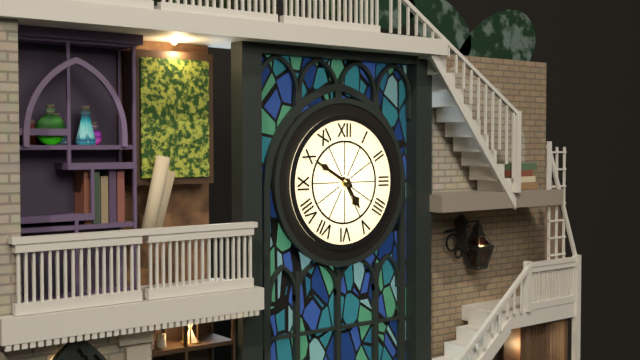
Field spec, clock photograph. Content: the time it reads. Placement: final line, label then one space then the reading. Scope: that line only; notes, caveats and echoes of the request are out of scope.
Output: 4:50
